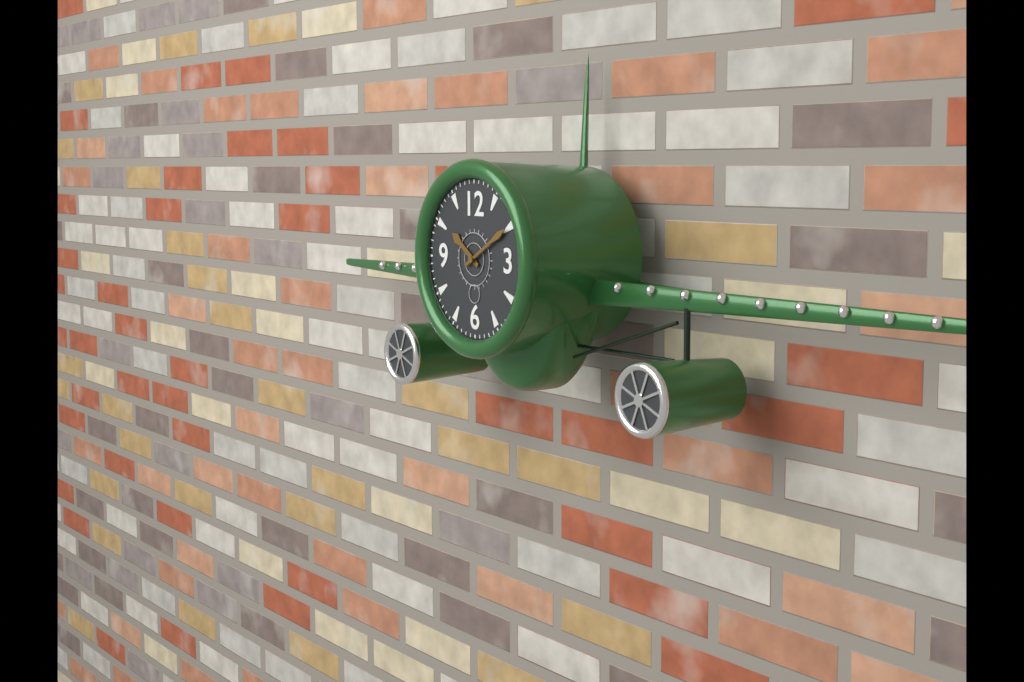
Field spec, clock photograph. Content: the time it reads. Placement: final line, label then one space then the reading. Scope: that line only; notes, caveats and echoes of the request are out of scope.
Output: 10:10
